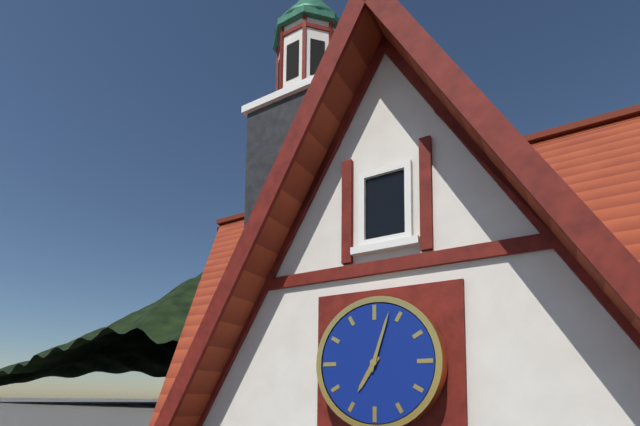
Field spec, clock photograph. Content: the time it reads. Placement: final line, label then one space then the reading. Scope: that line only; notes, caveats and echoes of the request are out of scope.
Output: 7:03
